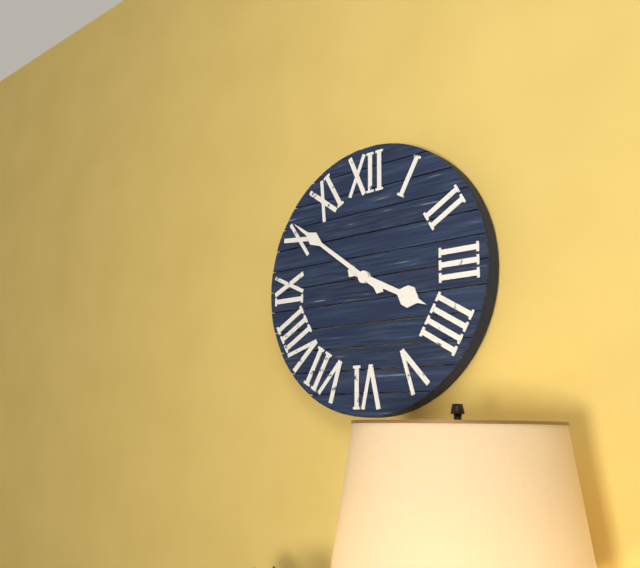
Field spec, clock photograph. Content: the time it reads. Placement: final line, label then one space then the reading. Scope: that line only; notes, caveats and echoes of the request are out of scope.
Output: 3:51
